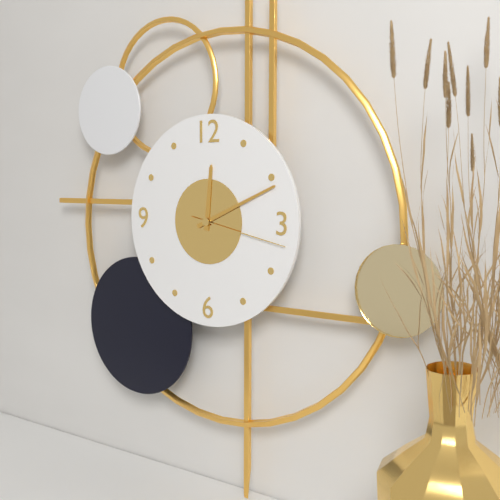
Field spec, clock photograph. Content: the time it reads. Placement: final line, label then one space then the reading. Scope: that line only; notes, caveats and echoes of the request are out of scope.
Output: 12:11:17
